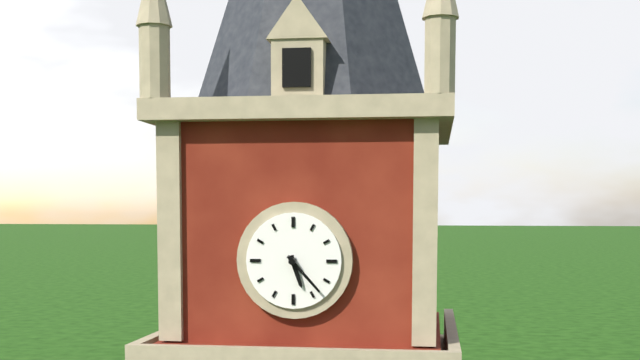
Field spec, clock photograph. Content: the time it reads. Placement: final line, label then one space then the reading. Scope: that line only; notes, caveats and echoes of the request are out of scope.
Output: 5:23
